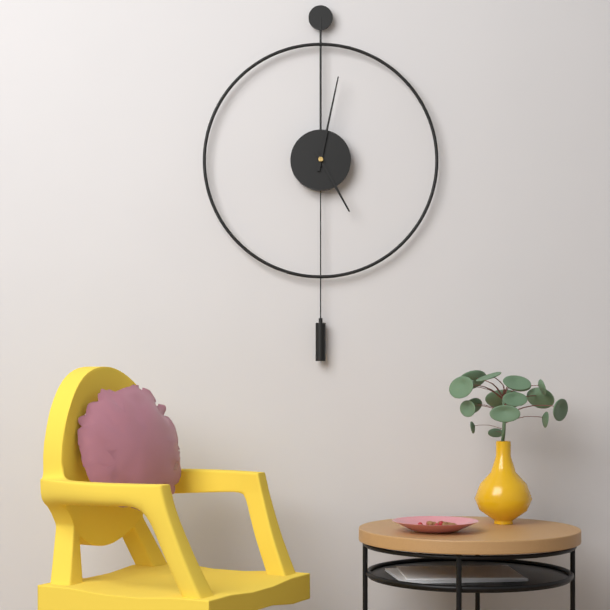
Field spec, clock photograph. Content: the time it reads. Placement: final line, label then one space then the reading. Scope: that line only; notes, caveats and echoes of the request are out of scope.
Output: 5:02
